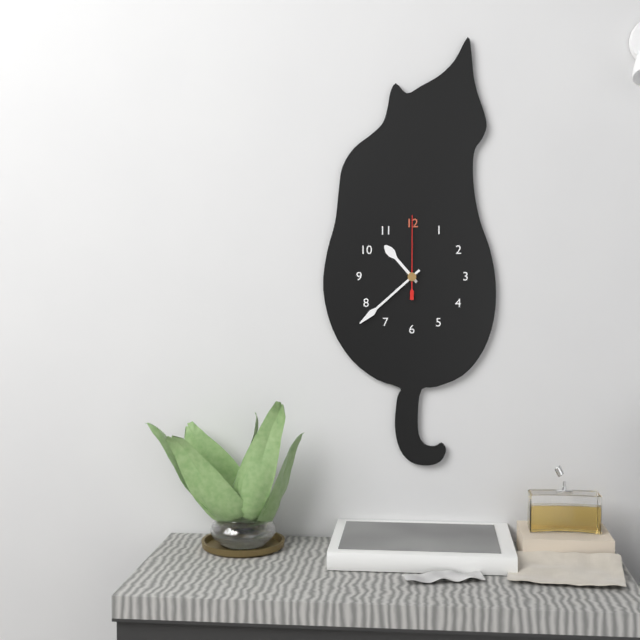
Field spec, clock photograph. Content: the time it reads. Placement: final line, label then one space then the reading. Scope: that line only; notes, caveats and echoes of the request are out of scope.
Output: 10:38:00
